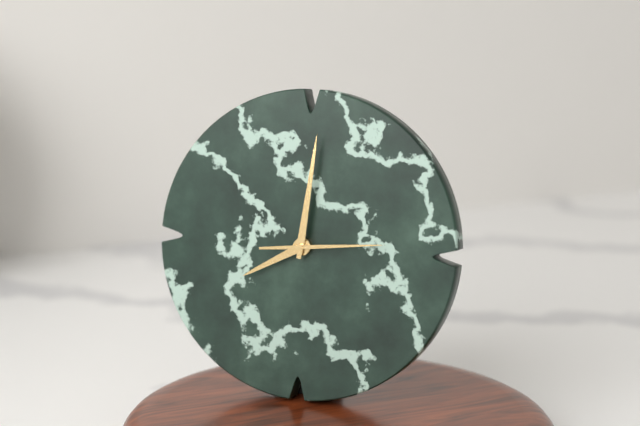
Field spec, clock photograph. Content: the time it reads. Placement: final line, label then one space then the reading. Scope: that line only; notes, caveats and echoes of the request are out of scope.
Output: 8:01:14
